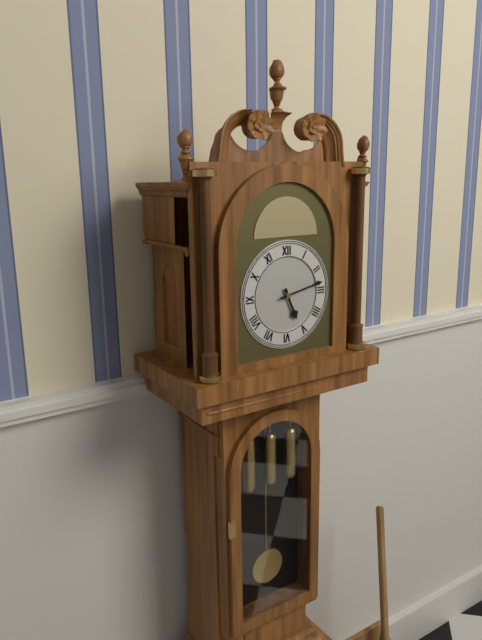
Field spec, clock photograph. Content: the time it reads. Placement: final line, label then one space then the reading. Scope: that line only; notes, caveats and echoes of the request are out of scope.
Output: 5:13
